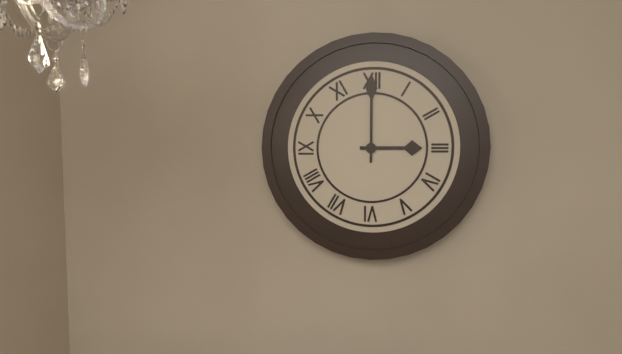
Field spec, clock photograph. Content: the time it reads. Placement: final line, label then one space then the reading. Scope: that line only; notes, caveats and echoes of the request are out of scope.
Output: 3:00
